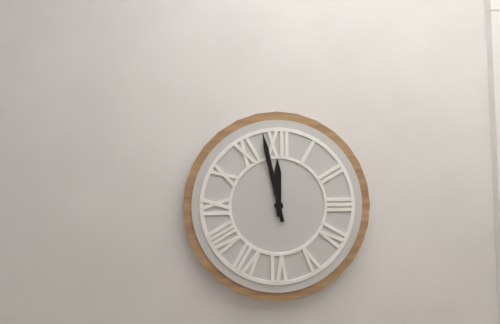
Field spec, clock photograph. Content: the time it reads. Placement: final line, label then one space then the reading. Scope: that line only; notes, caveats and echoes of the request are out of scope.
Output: 11:58
